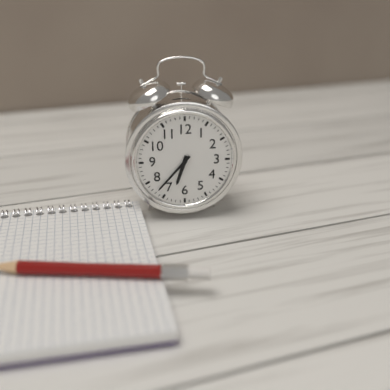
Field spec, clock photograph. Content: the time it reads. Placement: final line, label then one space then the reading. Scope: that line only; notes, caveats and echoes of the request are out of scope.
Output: 6:37
